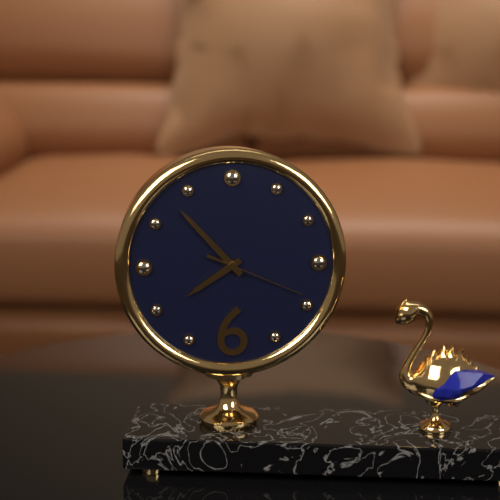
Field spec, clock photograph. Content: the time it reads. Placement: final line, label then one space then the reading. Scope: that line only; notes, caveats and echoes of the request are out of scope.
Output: 7:53:19
